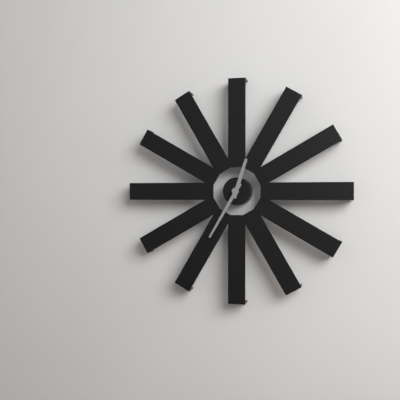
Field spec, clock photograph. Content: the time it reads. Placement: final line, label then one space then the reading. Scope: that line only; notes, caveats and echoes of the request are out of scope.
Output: 12:35
